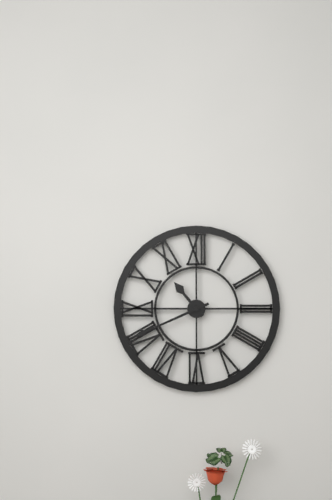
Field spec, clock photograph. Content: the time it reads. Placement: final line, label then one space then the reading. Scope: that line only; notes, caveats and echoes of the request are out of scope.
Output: 10:41
